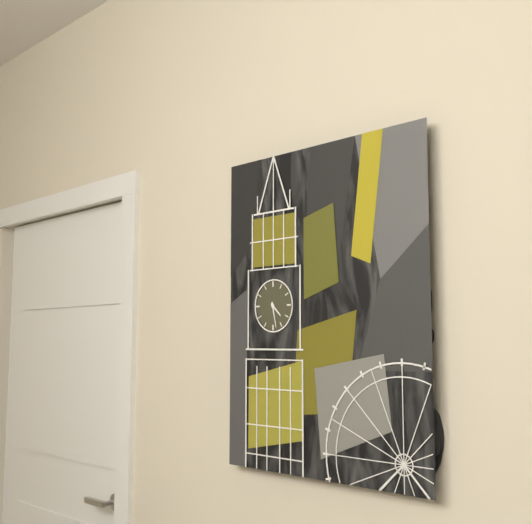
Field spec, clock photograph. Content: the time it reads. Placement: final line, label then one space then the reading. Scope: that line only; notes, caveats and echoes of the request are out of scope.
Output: 4:28
